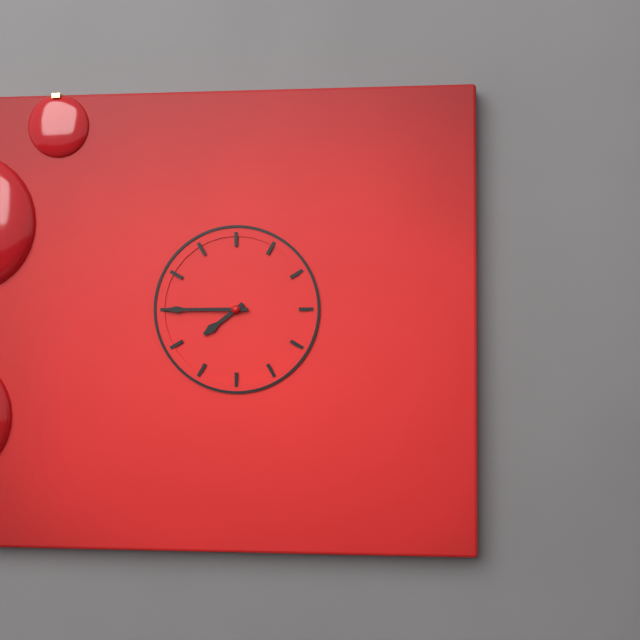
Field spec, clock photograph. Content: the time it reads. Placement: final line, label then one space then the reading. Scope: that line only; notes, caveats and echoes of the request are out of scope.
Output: 7:45
